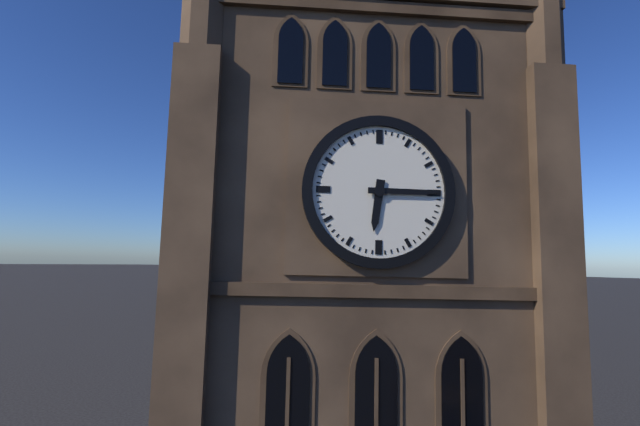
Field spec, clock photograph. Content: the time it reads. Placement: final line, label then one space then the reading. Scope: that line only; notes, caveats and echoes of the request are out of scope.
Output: 6:15
